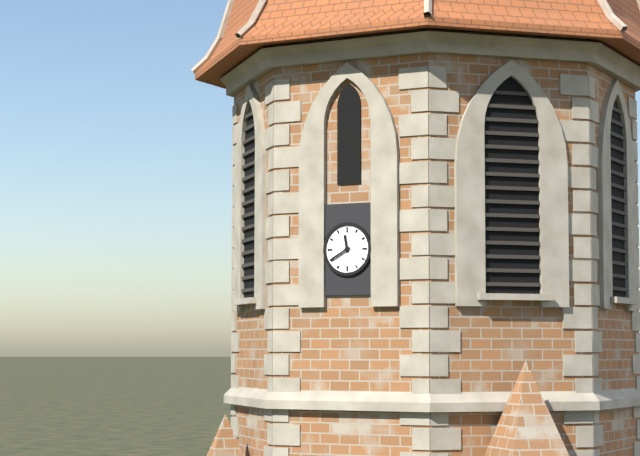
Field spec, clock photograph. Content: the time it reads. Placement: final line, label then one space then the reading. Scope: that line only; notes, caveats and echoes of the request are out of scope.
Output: 11:40
